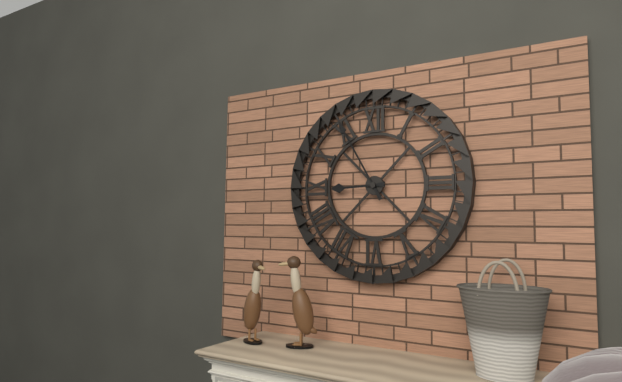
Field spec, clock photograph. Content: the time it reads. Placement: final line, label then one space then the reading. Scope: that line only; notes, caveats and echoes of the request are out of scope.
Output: 8:55
